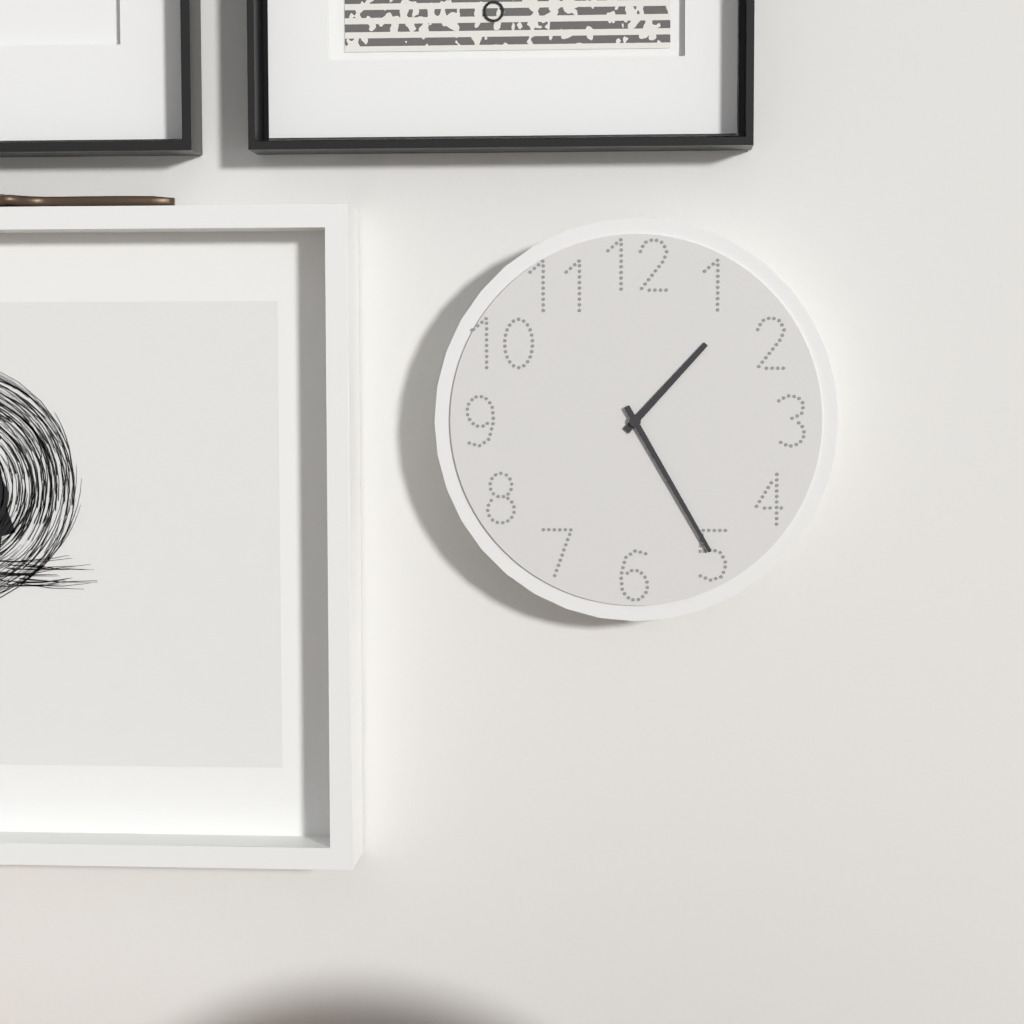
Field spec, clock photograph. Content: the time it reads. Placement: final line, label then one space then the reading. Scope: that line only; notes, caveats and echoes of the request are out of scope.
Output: 1:25
